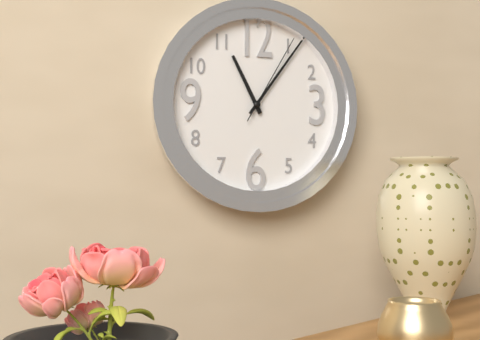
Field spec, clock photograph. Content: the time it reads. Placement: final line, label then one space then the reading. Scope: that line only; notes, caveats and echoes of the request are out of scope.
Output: 11:06:05
